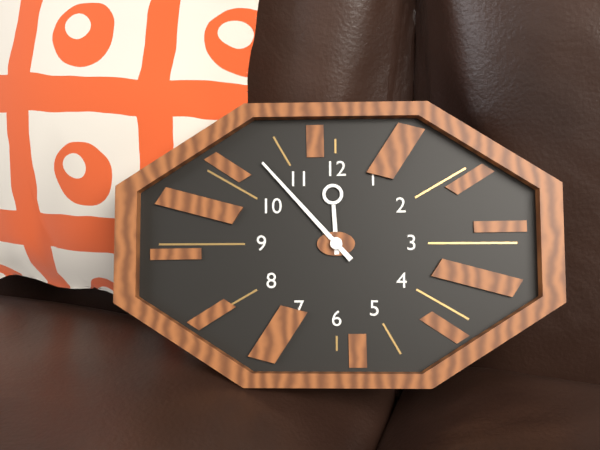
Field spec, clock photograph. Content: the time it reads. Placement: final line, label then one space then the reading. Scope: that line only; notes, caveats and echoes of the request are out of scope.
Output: 11:53
